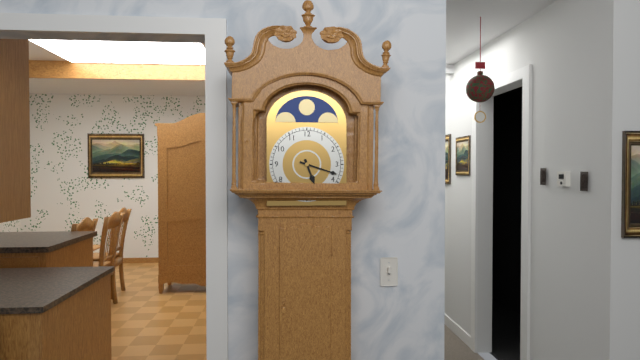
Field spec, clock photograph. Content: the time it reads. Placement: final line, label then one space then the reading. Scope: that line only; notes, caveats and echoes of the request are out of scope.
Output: 5:18
